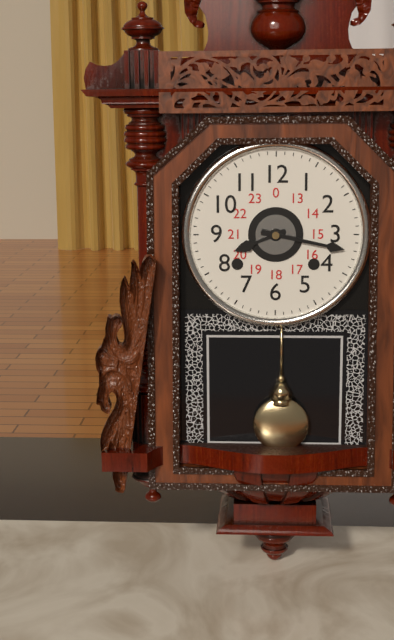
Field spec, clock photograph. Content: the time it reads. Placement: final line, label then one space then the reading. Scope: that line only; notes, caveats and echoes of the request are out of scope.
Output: 8:17
